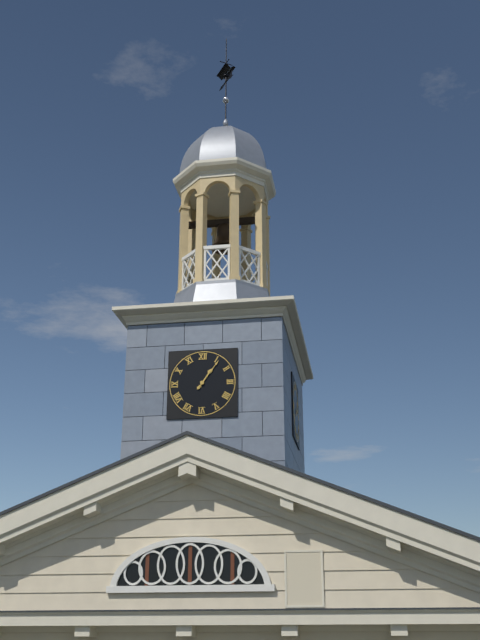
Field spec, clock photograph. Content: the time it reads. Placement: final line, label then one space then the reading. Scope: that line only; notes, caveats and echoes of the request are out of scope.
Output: 1:06
